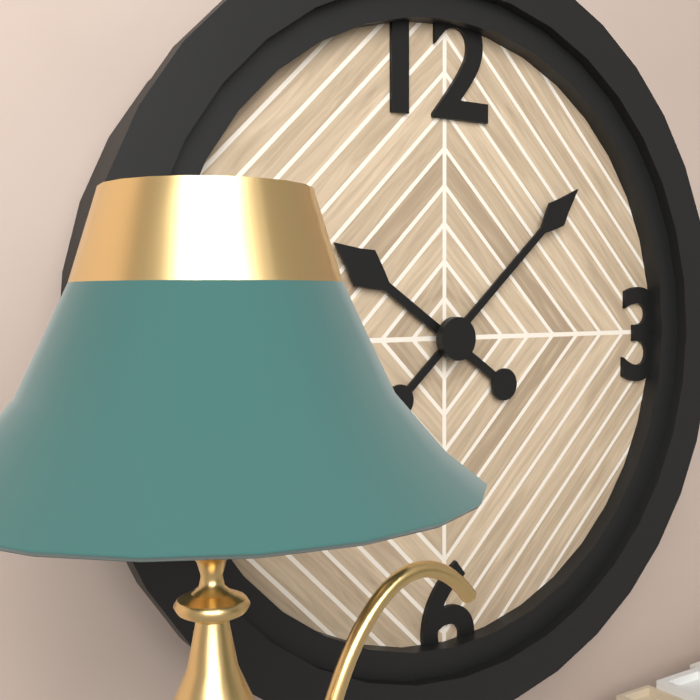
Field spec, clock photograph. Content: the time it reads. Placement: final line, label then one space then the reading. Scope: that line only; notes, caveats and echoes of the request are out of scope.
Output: 10:08
